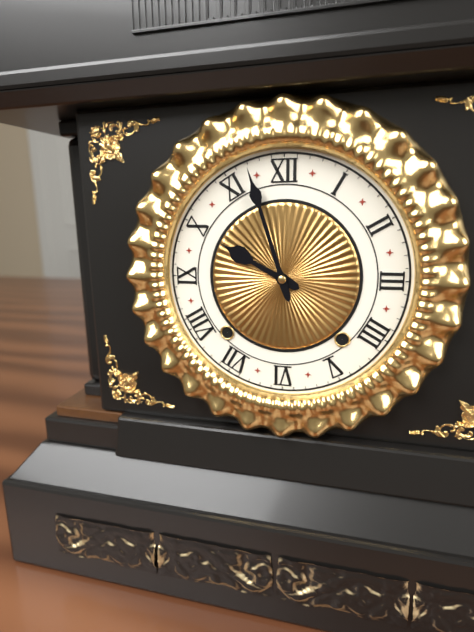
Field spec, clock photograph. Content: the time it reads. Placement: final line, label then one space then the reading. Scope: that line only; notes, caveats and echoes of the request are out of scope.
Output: 9:57
